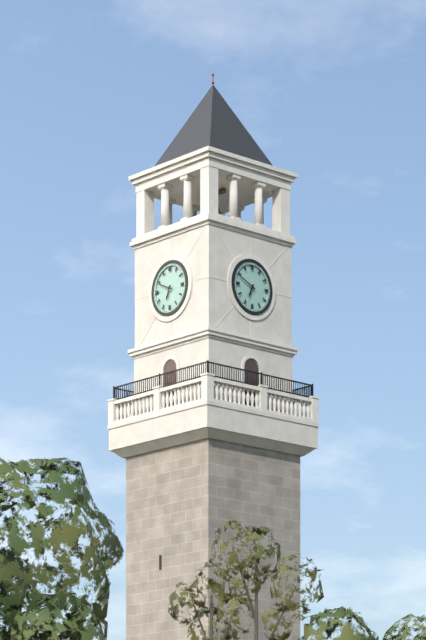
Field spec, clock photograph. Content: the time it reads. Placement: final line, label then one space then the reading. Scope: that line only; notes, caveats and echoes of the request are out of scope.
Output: 6:49
